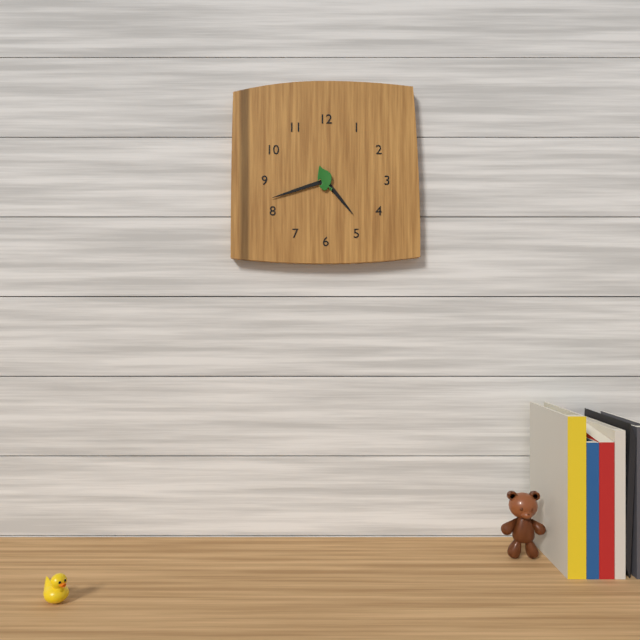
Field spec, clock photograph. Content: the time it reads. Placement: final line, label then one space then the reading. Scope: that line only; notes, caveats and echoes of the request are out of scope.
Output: 4:42
